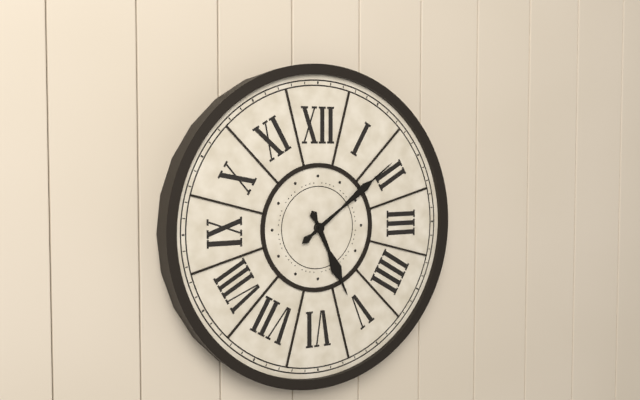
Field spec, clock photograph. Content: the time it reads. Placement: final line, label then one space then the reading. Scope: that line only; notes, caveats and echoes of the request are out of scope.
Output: 5:09
